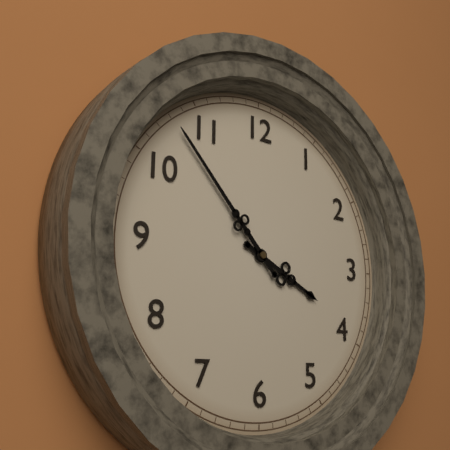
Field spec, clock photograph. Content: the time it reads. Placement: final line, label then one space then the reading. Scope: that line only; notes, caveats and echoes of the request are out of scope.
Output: 3:53
